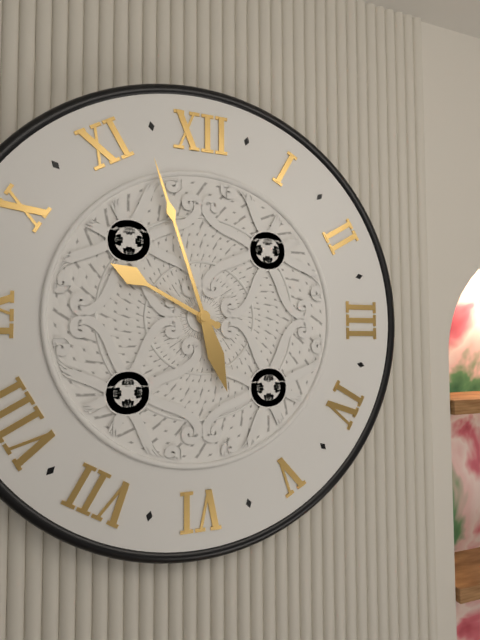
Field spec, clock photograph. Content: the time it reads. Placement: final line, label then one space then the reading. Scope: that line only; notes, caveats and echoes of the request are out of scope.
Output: 9:57
